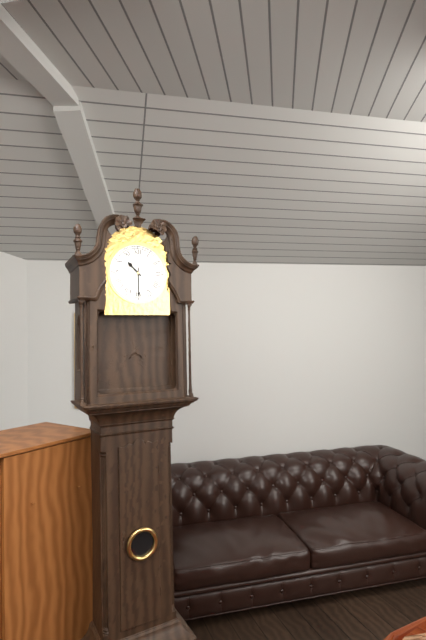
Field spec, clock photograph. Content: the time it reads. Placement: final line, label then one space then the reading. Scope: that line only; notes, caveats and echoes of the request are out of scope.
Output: 10:30
